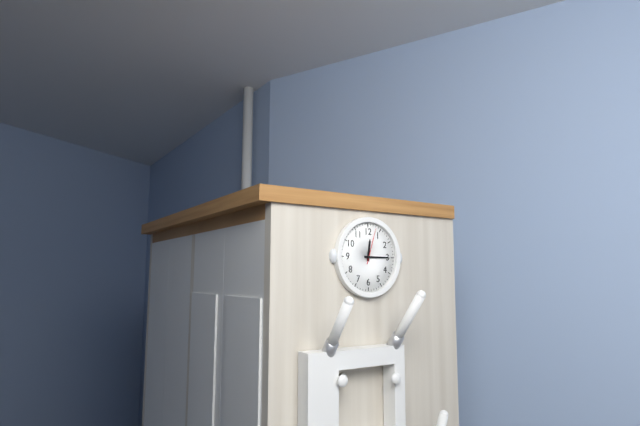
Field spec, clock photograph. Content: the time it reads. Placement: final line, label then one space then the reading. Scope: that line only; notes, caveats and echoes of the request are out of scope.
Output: 12:15
